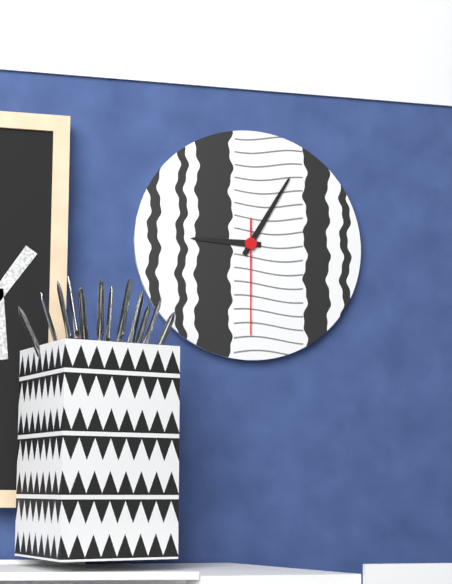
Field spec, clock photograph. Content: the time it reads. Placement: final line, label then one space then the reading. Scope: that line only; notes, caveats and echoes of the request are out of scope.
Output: 9:05:30
